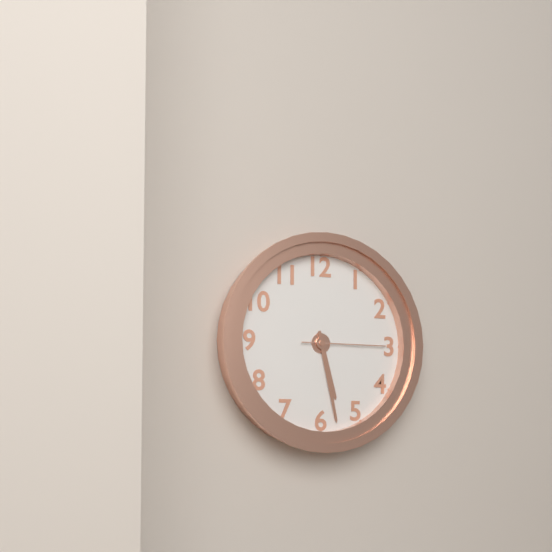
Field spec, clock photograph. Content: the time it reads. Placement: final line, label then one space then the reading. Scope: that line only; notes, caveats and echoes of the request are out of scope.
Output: 5:28:15
